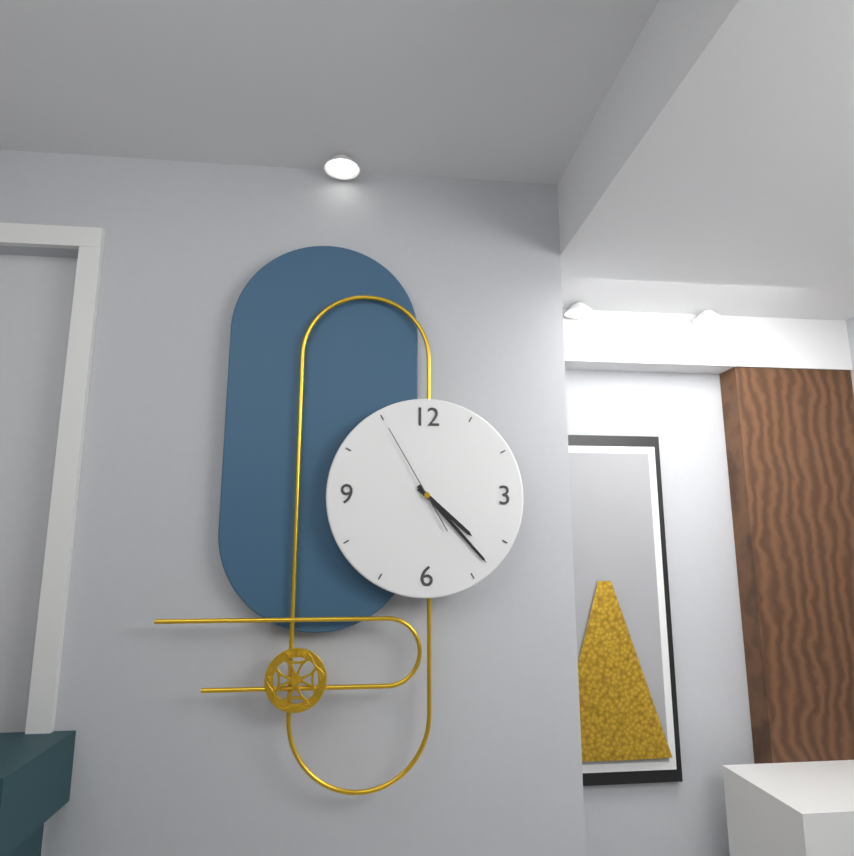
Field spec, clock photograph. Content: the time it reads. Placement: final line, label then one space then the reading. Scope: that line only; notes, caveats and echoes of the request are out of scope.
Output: 4:23:55
